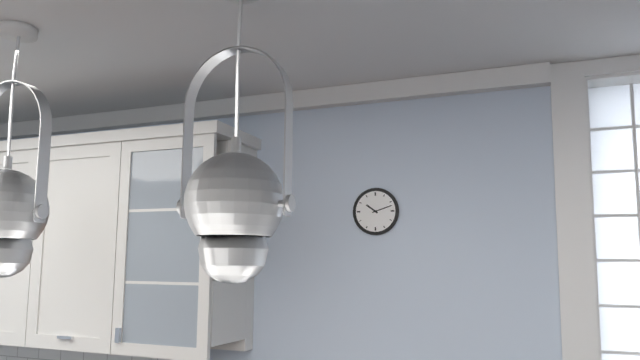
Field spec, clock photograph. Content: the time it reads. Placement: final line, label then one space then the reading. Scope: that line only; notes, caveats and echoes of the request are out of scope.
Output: 10:12
